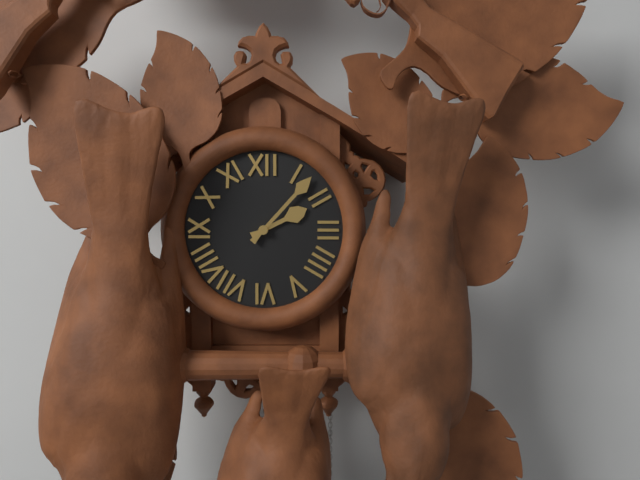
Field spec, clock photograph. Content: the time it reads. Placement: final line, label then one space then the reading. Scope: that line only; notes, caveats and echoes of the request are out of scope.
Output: 2:07
